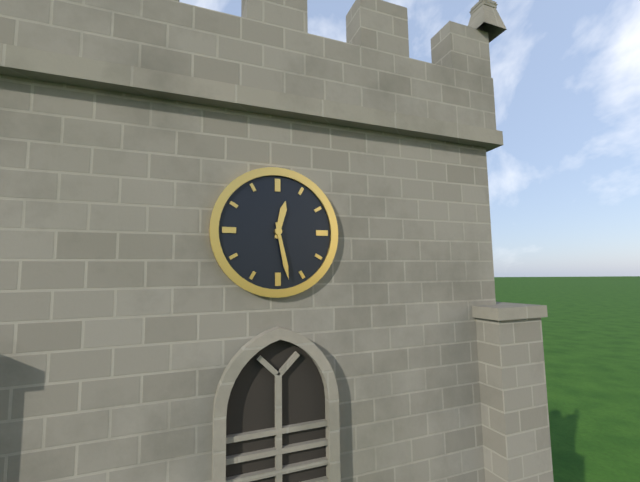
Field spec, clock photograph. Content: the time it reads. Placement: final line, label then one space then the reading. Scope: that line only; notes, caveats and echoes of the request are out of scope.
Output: 12:28
